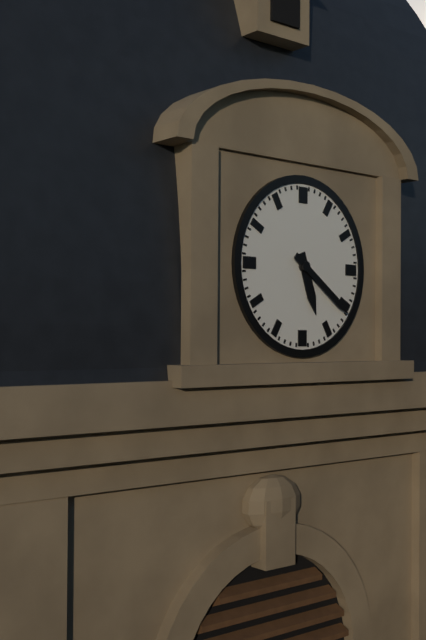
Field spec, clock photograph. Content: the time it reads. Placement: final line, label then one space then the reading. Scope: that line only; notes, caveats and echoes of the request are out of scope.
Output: 5:21
